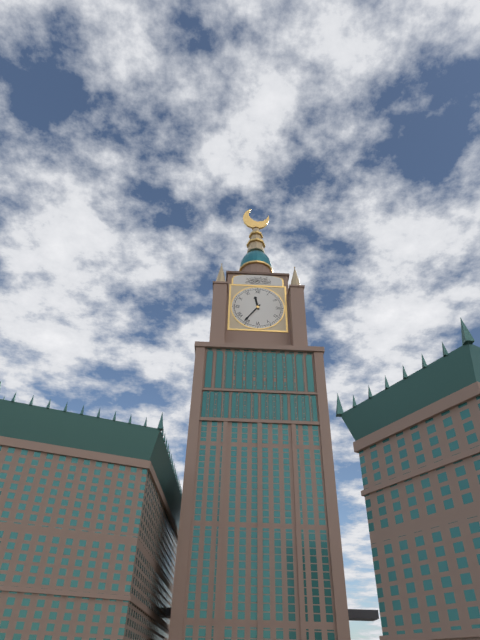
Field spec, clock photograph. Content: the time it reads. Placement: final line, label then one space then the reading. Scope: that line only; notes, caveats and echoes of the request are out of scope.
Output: 11:36
